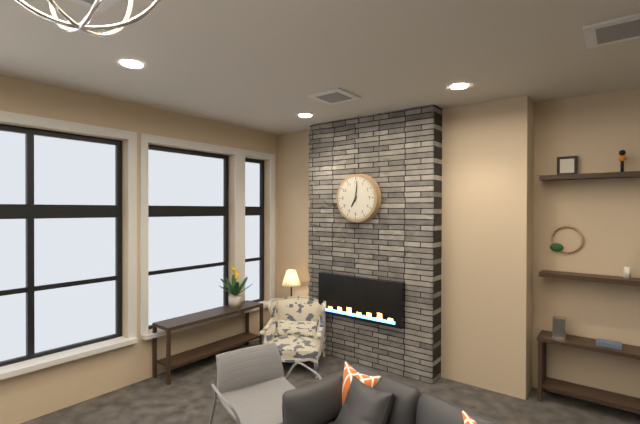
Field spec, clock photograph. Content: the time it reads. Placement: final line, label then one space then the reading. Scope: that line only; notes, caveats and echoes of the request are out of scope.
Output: 7:01
